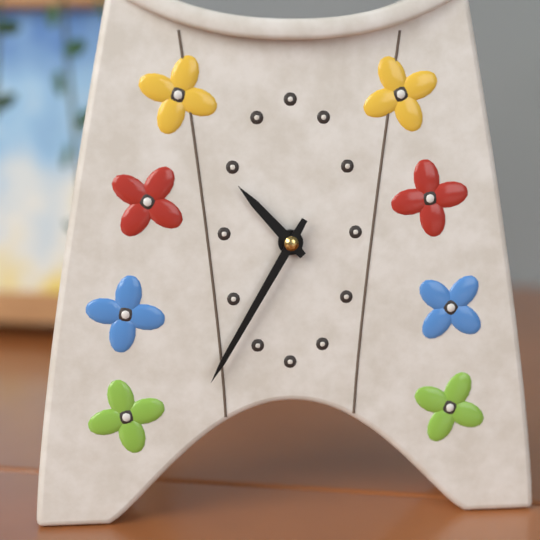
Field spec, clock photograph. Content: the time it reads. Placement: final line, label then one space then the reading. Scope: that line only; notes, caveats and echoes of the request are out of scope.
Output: 10:35
